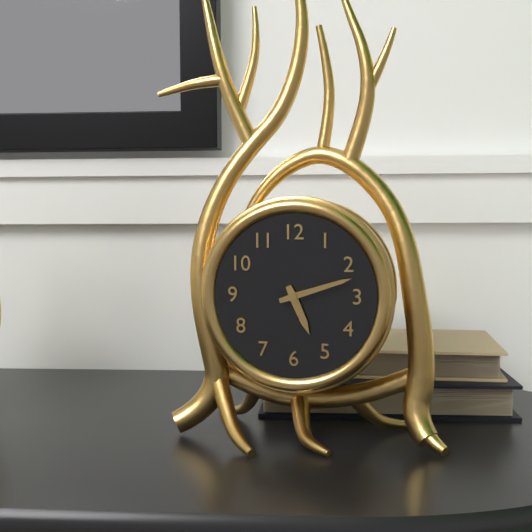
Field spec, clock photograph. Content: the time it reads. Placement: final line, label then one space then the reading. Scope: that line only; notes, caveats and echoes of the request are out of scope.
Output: 5:12
